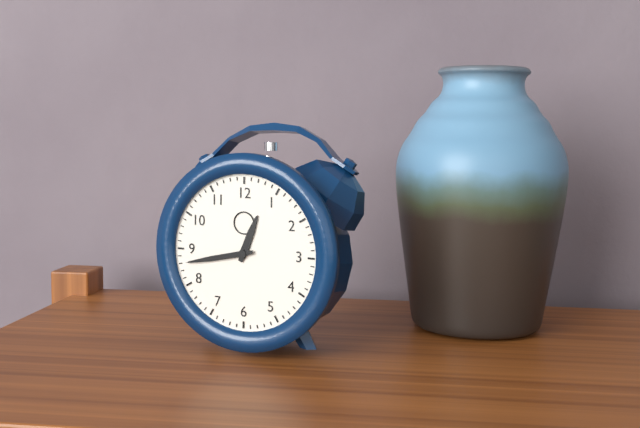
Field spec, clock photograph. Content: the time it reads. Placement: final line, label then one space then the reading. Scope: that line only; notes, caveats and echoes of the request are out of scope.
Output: 12:43
